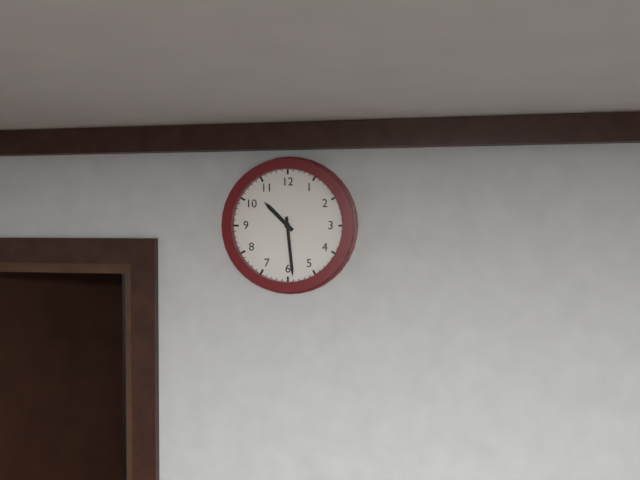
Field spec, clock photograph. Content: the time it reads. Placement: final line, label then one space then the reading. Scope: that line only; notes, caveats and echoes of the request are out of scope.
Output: 10:29
